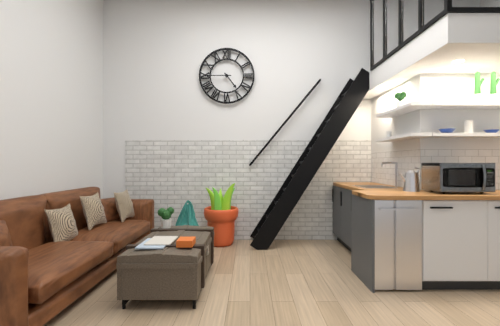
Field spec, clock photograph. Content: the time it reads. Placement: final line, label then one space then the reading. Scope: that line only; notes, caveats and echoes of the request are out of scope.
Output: 4:45
